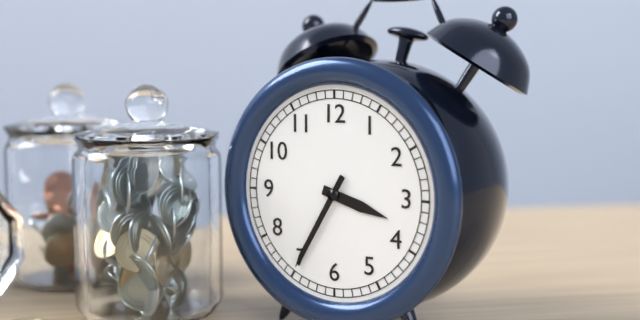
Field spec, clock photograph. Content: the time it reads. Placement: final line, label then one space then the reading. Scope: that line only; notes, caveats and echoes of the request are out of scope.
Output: 3:35
